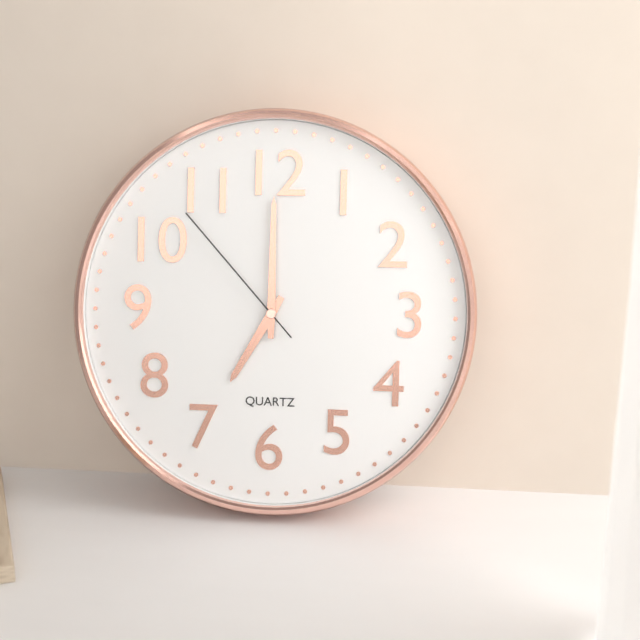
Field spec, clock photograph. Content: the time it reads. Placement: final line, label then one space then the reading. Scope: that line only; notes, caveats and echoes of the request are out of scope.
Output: 7:00:53
